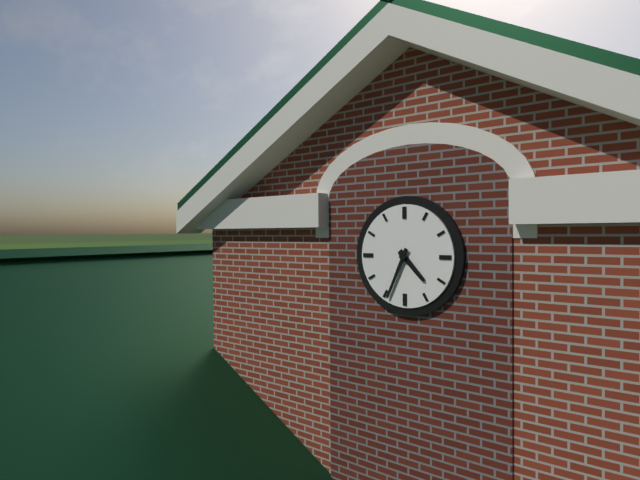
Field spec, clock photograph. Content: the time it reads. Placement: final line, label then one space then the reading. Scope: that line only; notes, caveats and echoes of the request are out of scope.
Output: 4:34
